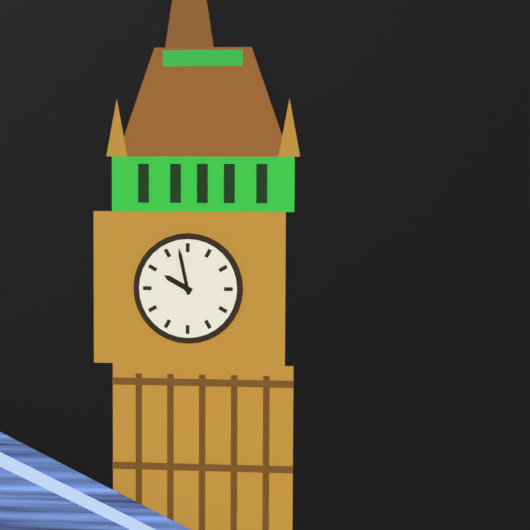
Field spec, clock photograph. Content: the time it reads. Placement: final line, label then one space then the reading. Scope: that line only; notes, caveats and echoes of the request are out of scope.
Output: 9:58
